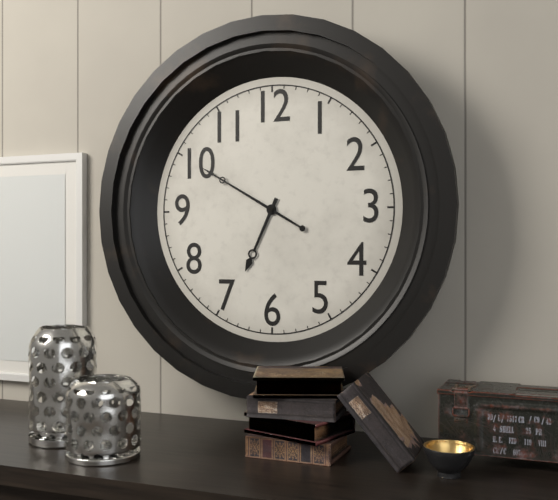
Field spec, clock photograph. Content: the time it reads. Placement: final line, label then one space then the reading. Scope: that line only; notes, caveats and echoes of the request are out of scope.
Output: 6:50
